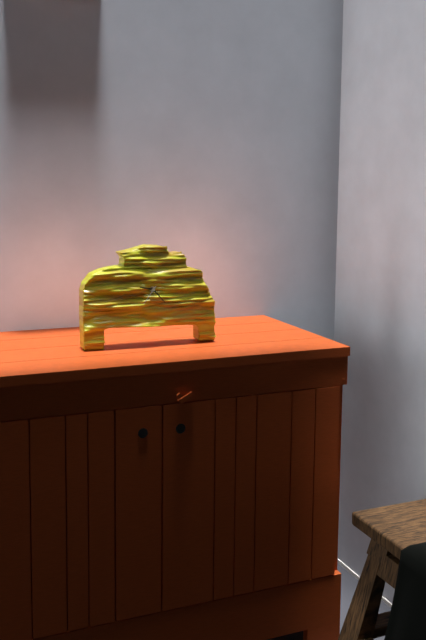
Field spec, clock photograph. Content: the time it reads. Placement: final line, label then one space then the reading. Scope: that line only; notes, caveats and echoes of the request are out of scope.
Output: 9:23
